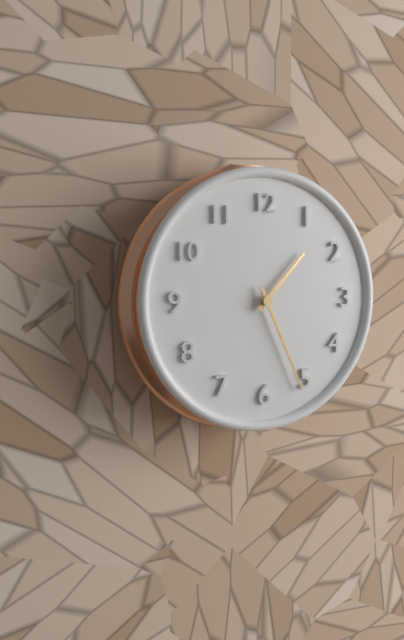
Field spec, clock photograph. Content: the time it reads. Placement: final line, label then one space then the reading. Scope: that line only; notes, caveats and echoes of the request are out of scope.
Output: 1:26
